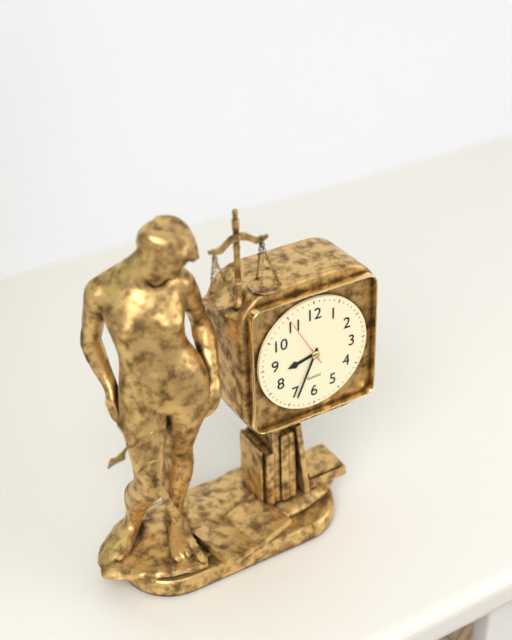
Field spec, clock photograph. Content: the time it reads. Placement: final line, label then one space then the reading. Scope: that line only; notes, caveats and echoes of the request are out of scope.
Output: 8:34:55
